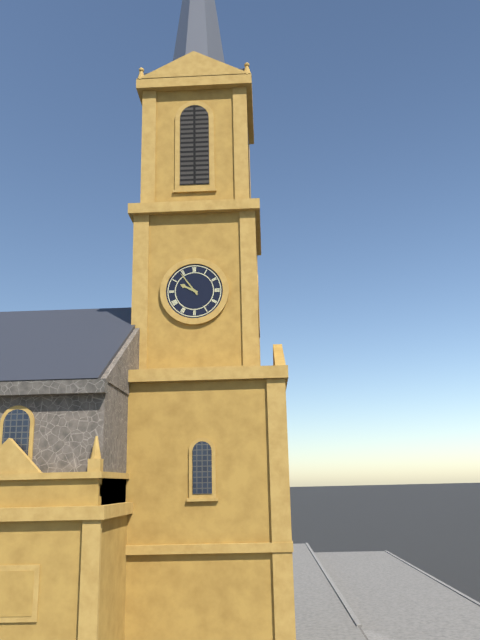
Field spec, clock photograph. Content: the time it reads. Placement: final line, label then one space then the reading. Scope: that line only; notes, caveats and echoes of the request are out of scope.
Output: 9:54
